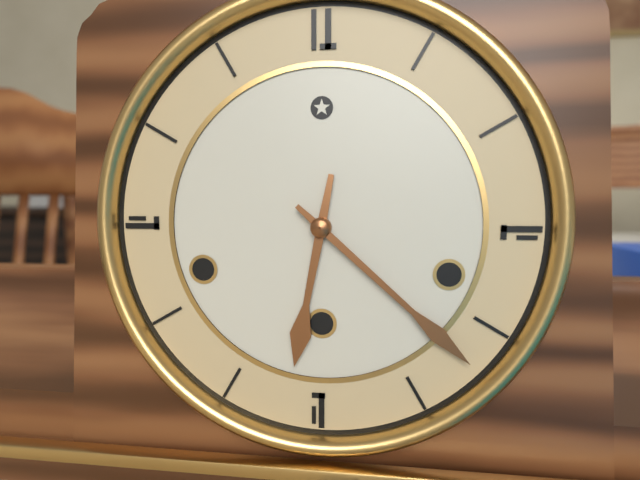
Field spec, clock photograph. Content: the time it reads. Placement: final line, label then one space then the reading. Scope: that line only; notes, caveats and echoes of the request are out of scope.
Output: 6:22
